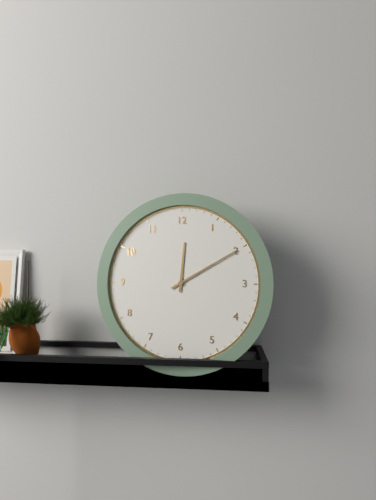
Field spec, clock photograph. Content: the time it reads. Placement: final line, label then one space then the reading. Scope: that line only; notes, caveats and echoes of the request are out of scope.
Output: 12:10
